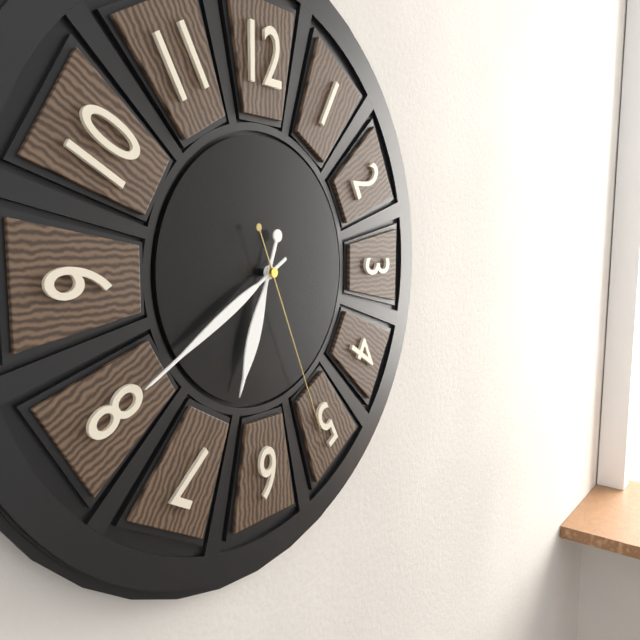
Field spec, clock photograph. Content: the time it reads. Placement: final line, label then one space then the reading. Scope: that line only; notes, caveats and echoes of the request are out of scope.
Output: 6:40:26
